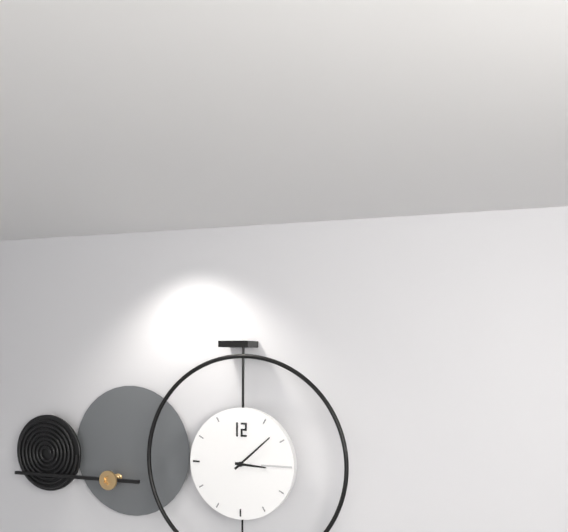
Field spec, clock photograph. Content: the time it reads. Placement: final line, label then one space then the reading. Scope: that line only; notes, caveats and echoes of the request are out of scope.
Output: 3:08
